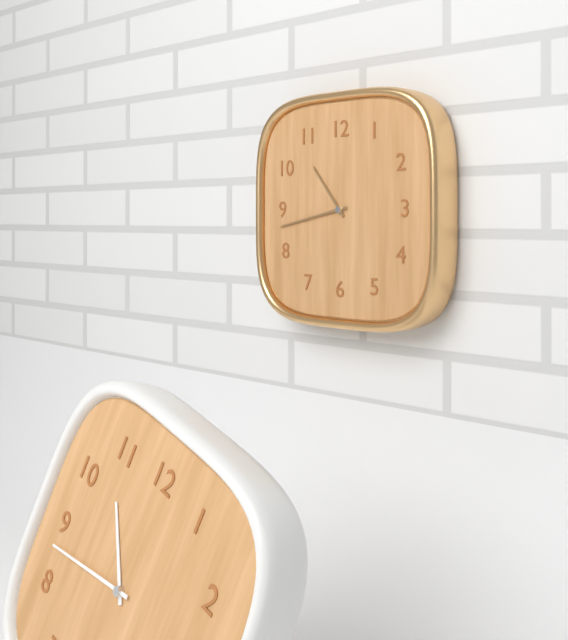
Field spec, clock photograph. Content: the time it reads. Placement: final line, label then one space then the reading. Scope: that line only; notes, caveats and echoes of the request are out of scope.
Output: 10:43
